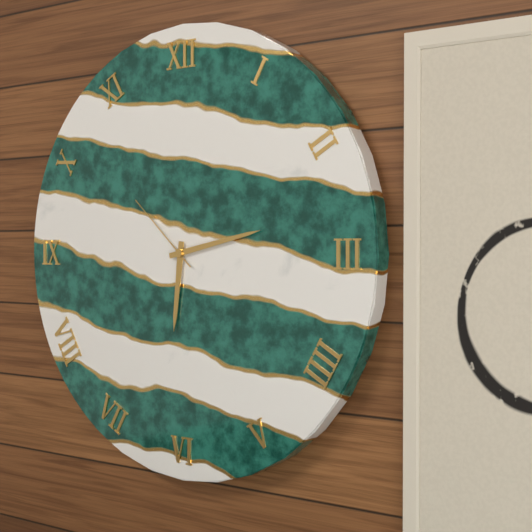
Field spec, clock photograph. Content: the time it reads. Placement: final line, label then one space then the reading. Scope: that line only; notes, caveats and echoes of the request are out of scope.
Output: 6:13:52
